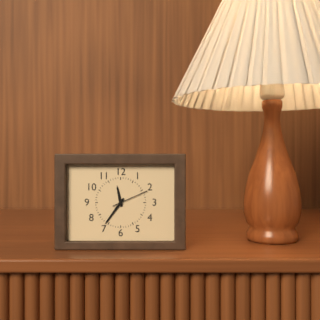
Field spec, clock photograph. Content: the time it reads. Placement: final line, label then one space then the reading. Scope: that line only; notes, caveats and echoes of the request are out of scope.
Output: 11:36
